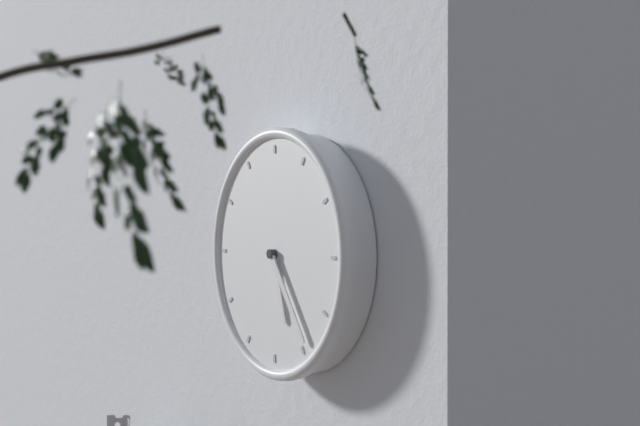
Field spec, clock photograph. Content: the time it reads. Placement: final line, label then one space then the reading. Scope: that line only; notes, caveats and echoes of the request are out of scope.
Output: 5:24
